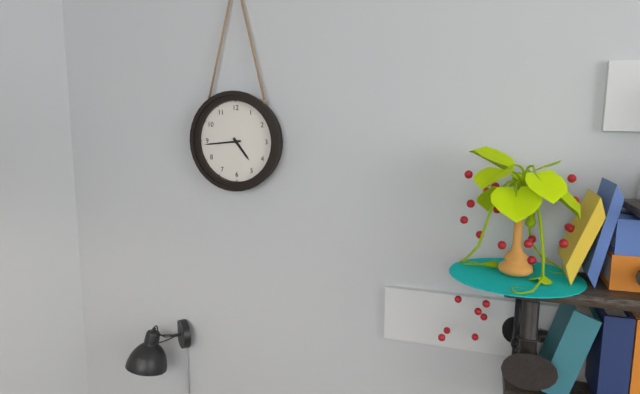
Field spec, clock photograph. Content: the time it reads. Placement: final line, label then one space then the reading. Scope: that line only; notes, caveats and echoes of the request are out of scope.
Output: 4:44
